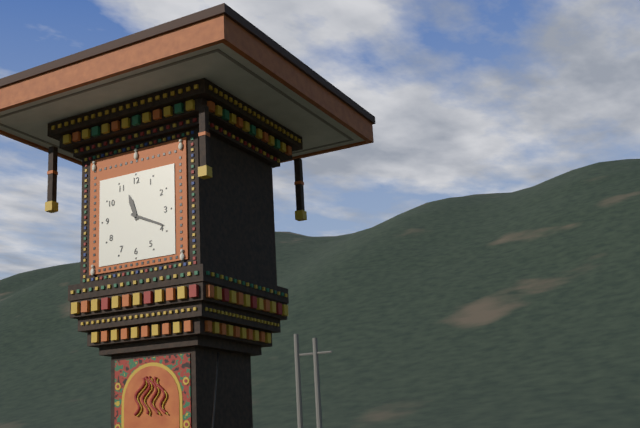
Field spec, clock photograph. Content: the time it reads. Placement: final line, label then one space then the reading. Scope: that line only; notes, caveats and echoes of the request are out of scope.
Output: 11:19
